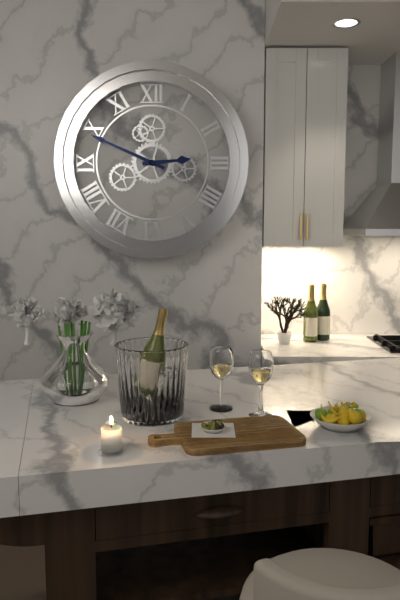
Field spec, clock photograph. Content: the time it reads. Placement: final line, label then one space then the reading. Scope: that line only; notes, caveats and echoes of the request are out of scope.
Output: 2:49
